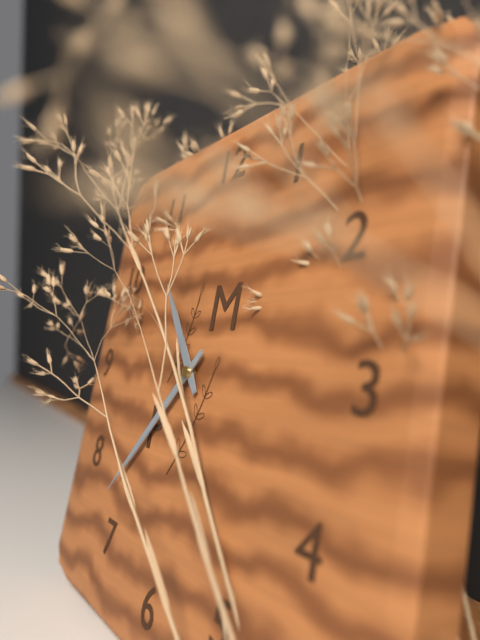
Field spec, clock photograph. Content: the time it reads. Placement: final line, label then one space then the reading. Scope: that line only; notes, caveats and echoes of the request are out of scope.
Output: 10:37
